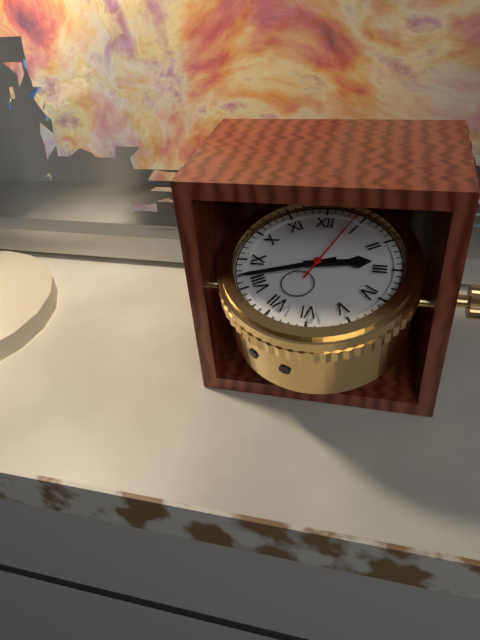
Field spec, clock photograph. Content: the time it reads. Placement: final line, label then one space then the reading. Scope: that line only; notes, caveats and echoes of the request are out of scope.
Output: 2:42:04
